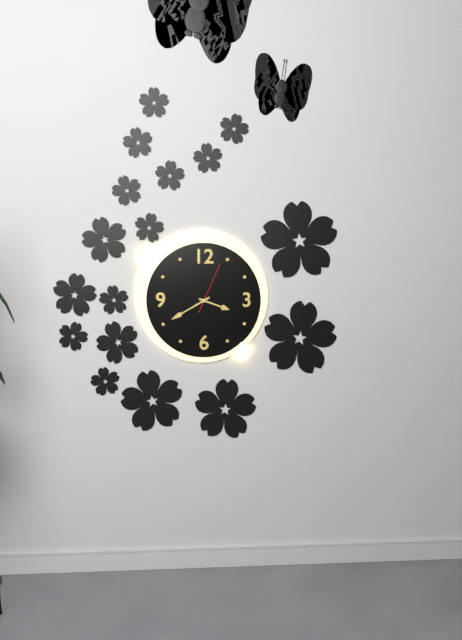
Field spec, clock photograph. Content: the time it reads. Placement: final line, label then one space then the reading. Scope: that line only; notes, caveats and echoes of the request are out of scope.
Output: 3:40:04
